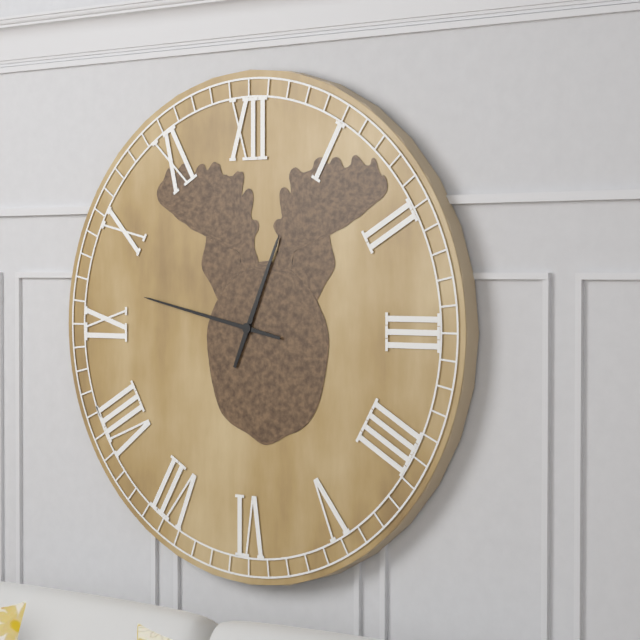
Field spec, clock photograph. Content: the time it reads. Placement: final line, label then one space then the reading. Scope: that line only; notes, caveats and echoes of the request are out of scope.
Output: 12:47
